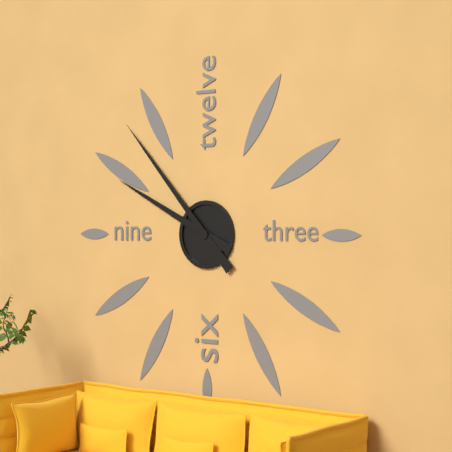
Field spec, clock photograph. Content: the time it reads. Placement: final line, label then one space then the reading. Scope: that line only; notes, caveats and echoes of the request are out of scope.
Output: 9:53
